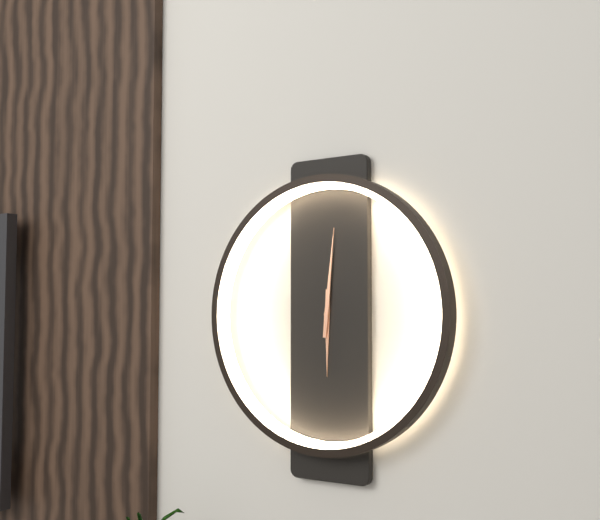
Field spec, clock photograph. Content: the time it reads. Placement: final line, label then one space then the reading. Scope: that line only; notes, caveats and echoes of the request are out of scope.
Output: 6:01
